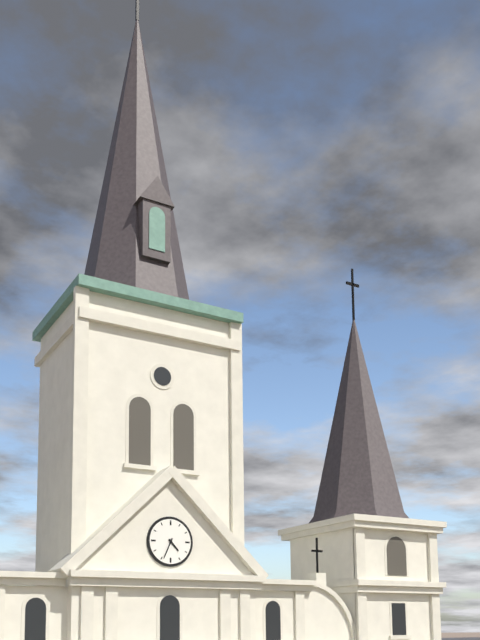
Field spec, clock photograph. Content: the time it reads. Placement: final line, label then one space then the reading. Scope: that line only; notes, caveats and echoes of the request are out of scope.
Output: 4:34
